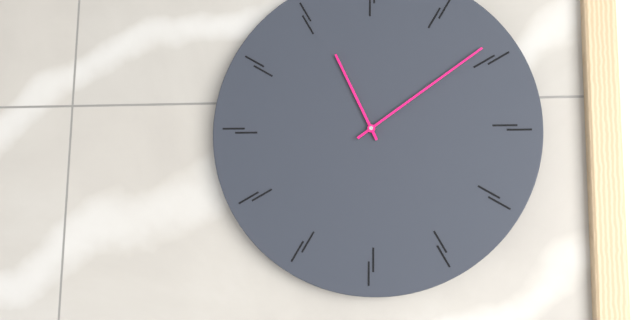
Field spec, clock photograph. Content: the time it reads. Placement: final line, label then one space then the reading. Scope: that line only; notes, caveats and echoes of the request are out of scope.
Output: 11:09
